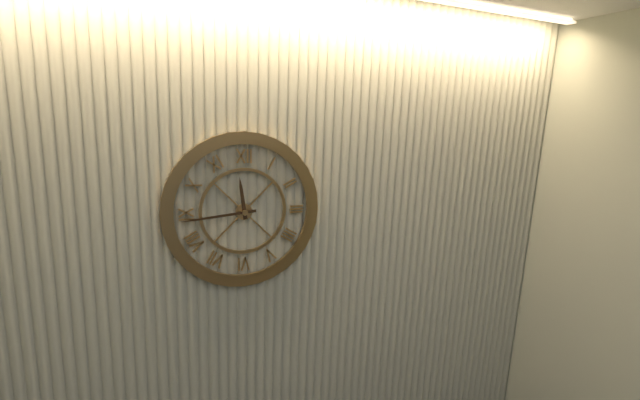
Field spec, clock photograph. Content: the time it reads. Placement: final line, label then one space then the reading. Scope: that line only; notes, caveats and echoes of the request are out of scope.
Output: 11:44
